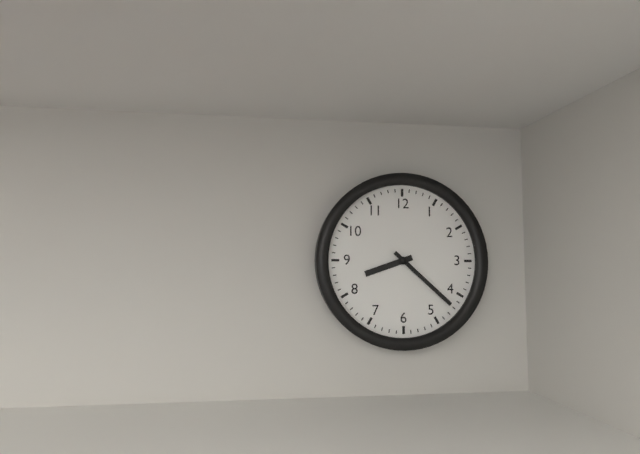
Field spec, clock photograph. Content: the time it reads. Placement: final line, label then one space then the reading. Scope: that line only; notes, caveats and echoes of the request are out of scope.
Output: 8:22
